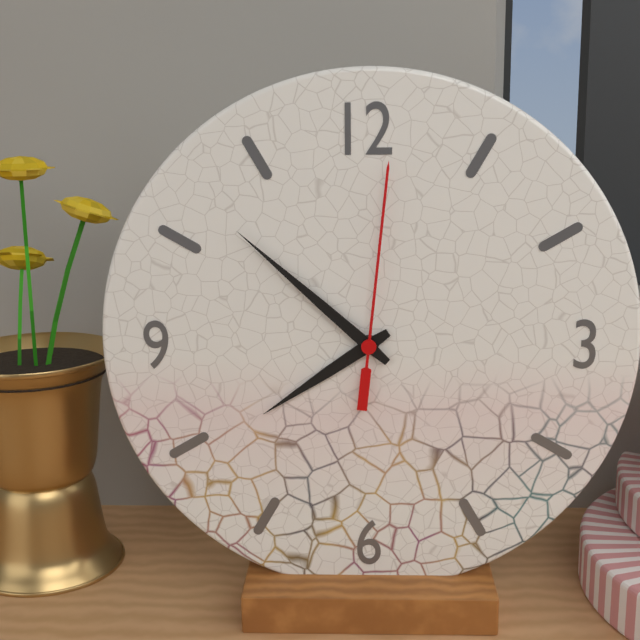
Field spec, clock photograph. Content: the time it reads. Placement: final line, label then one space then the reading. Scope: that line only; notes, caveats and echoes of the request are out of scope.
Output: 7:52:01
